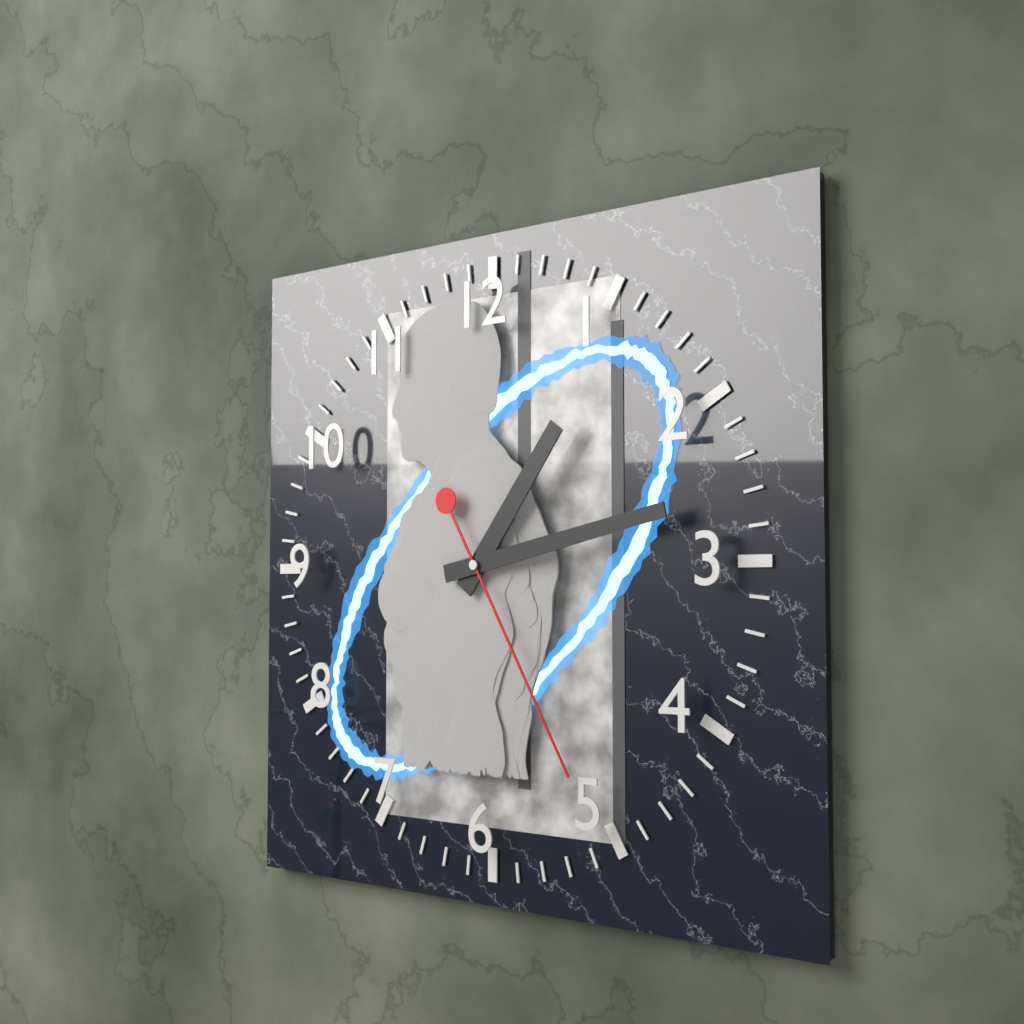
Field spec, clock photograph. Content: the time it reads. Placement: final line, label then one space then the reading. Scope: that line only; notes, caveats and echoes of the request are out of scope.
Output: 1:13:25
